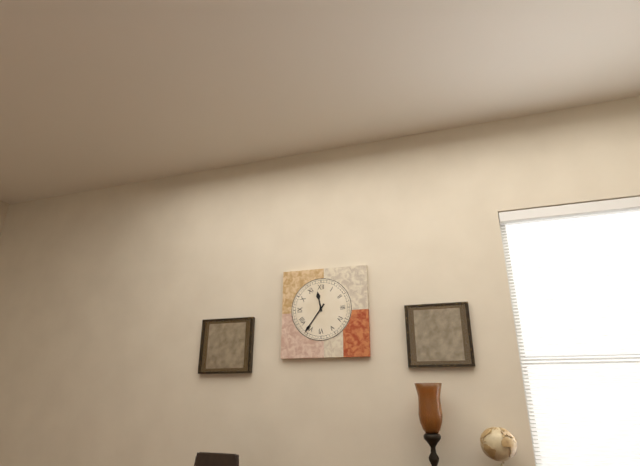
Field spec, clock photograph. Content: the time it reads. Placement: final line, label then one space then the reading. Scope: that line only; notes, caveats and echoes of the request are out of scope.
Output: 11:36
